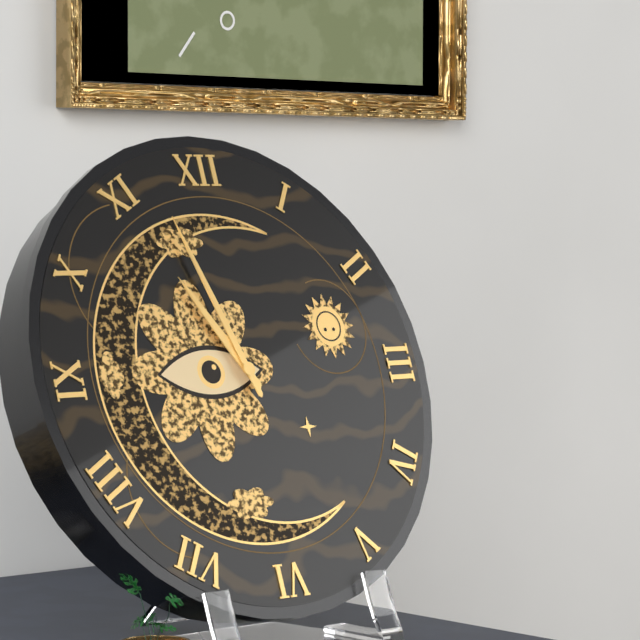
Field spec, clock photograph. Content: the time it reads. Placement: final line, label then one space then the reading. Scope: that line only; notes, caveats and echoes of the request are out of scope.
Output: 10:57
